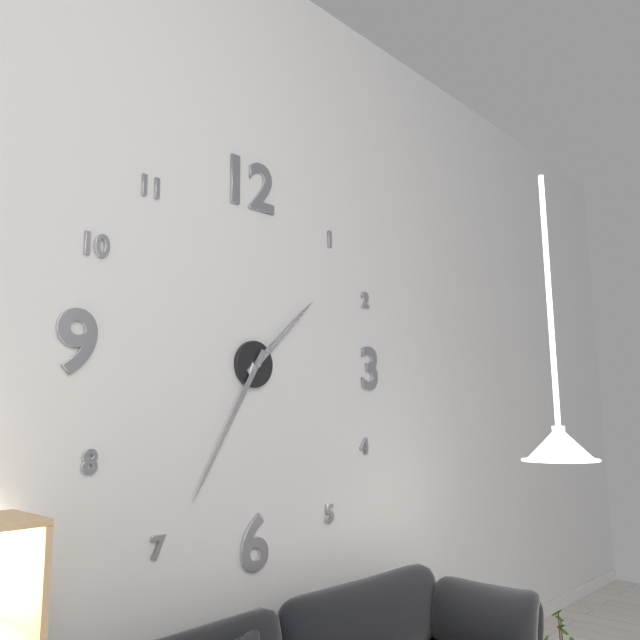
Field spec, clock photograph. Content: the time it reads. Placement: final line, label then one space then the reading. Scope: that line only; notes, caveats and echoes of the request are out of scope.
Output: 1:35
